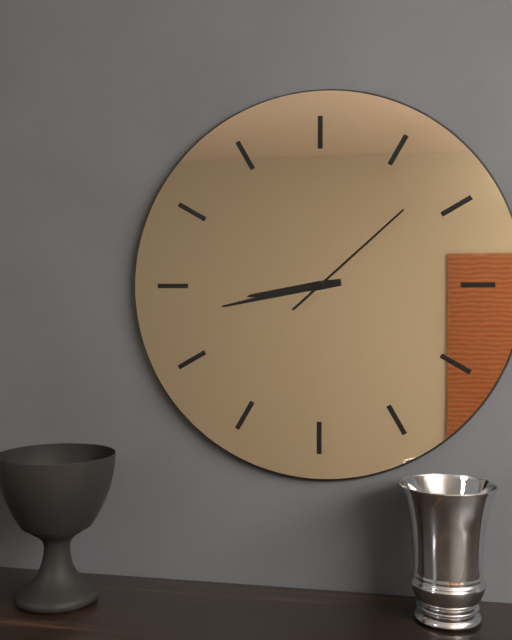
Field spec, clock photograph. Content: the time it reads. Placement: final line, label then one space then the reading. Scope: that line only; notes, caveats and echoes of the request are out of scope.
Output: 8:43:08
